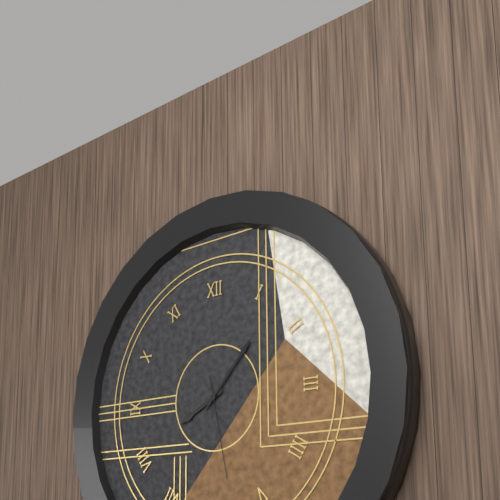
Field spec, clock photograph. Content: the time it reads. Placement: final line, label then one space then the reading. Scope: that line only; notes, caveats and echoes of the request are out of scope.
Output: 8:07:28
